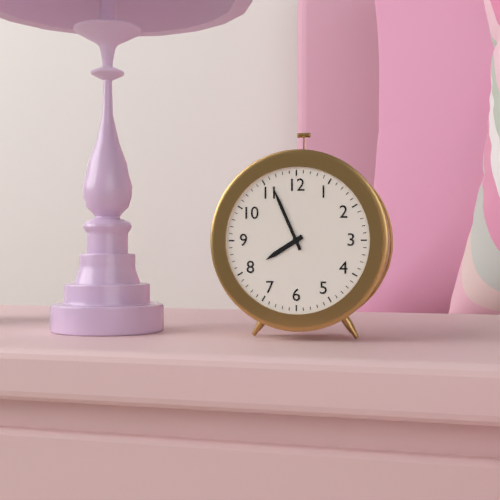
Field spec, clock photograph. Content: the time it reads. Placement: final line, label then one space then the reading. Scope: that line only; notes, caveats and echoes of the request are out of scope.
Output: 7:56
